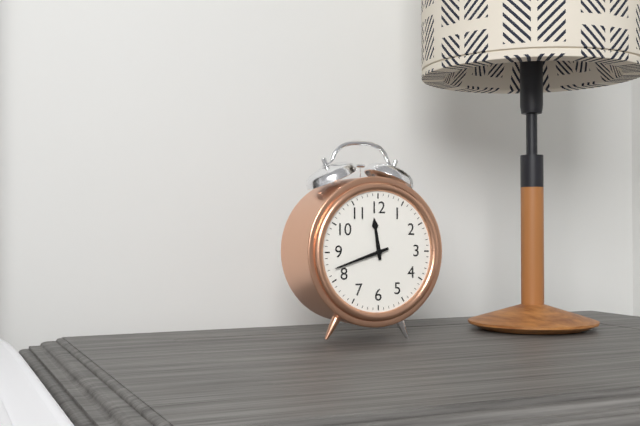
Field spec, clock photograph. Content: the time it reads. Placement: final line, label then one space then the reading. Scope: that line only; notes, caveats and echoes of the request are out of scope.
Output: 11:42
